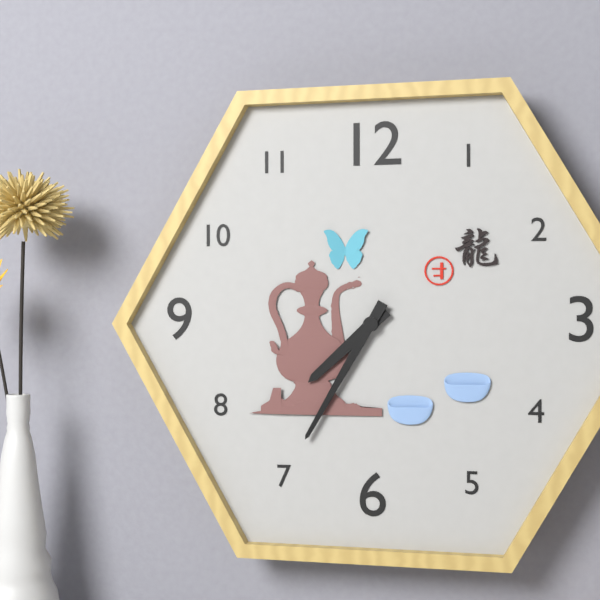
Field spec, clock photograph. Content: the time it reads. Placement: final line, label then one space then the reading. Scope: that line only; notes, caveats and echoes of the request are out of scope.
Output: 7:35
